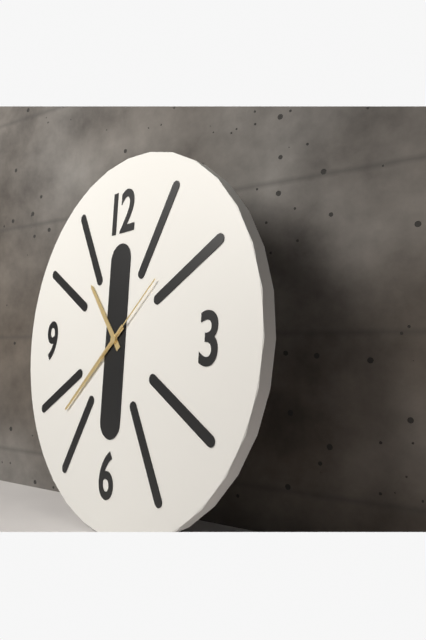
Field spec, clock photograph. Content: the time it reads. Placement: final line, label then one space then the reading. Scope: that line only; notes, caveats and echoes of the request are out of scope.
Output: 10:38:08
